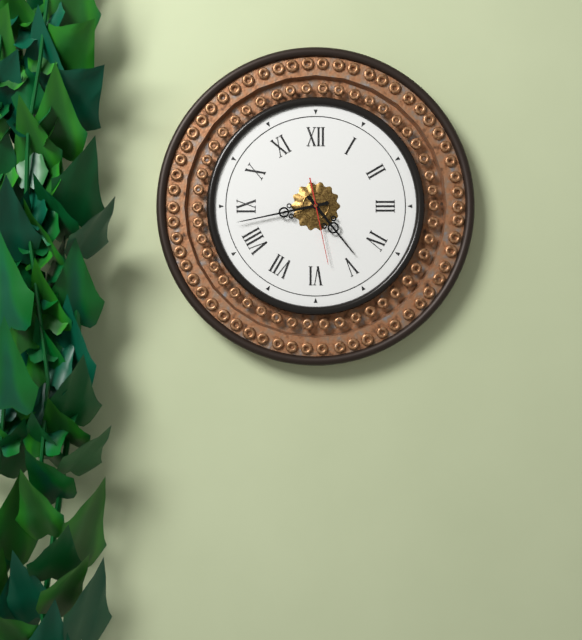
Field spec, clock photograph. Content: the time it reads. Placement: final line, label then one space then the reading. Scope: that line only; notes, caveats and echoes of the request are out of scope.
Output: 4:43:28
